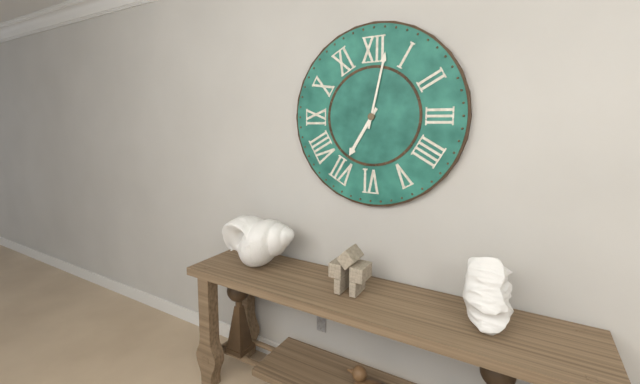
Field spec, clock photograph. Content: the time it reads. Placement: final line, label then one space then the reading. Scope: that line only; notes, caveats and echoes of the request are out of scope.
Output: 7:02
